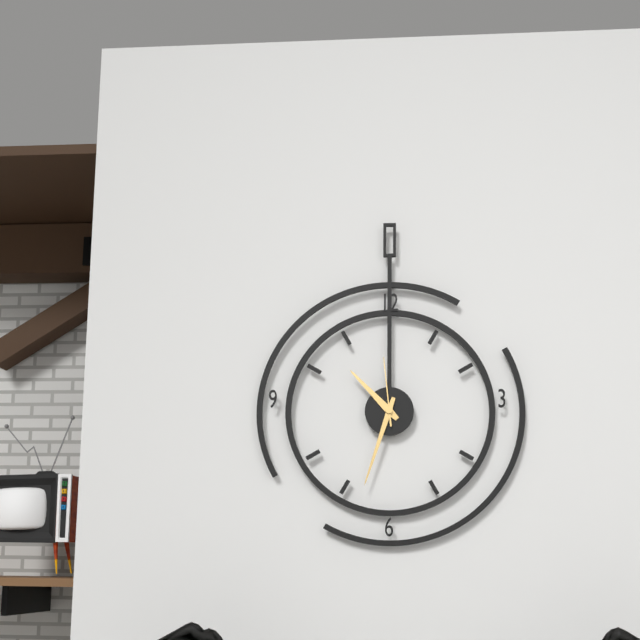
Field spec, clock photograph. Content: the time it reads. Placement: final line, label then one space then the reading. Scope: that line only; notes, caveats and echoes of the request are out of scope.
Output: 10:33:59
